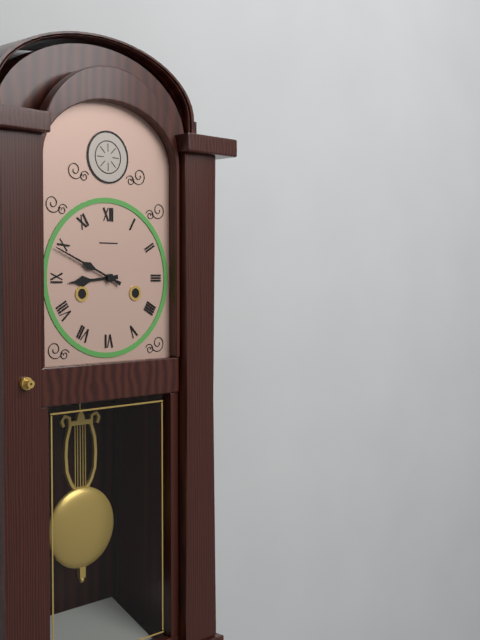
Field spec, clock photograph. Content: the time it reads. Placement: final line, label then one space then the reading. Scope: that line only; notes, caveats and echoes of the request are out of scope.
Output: 8:49
